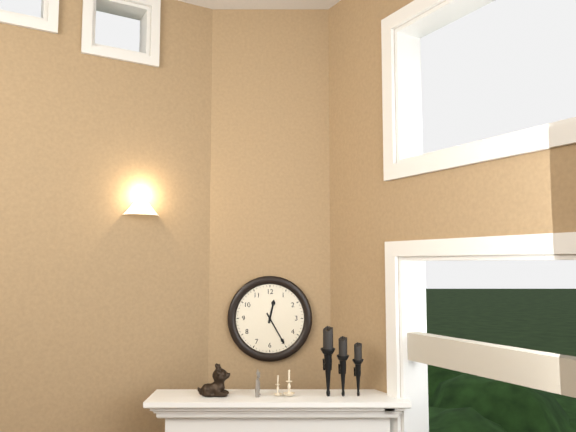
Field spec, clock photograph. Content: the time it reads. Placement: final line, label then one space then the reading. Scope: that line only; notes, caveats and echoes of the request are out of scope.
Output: 12:25
